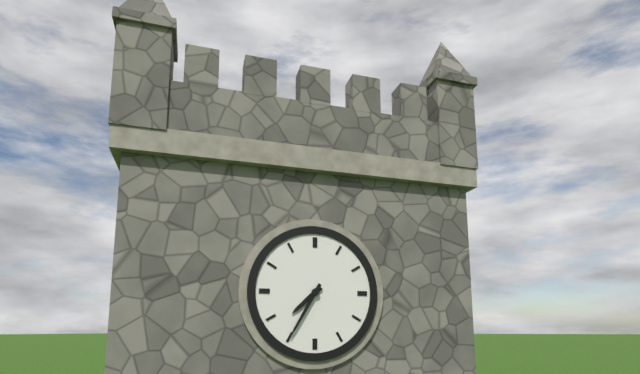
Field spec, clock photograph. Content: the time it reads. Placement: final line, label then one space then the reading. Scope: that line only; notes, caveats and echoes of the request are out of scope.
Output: 7:35
